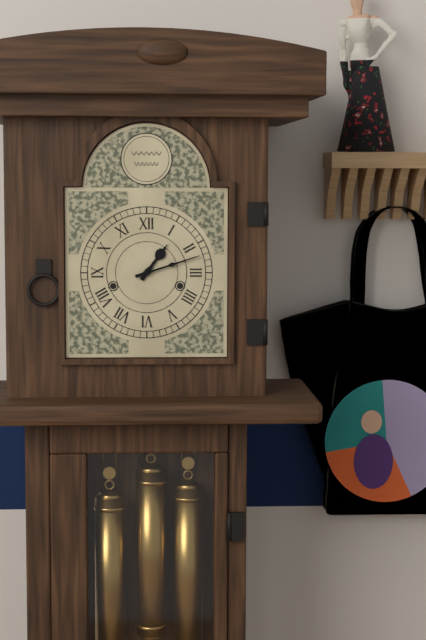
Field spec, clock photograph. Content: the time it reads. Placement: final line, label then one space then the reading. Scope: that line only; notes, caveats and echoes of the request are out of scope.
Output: 1:12
